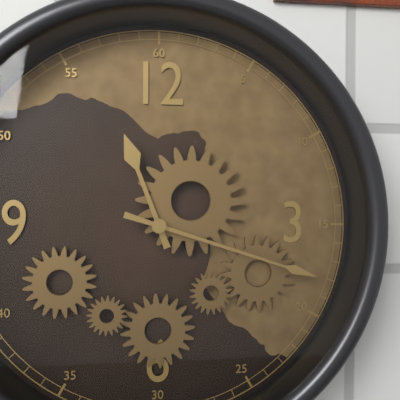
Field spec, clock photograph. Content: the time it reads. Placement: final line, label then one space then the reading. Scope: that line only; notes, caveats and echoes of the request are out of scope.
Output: 11:18
